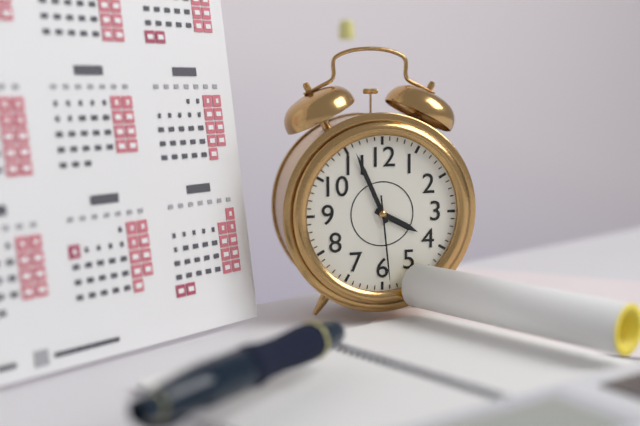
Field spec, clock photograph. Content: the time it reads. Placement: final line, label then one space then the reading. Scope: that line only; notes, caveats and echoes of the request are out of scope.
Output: 3:56:29
